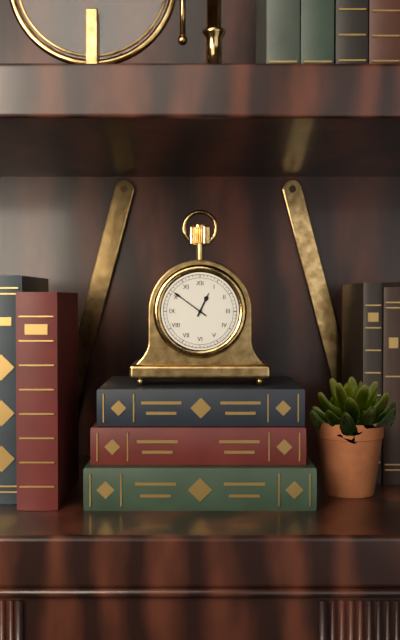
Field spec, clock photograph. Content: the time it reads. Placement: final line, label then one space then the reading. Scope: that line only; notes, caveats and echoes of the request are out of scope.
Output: 12:51
